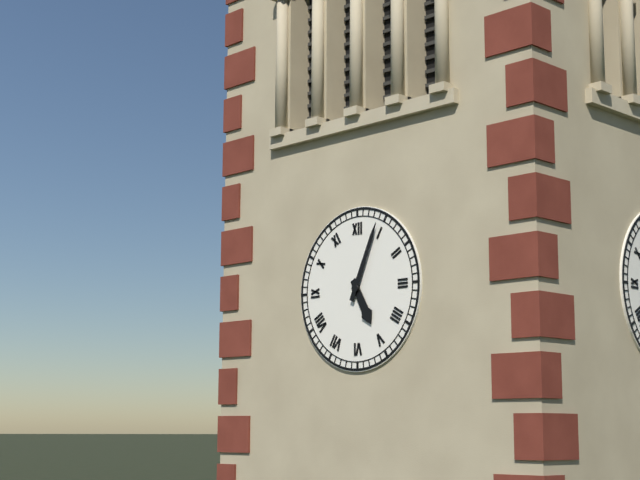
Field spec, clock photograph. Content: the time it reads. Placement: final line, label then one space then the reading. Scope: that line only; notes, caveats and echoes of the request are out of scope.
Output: 5:04
